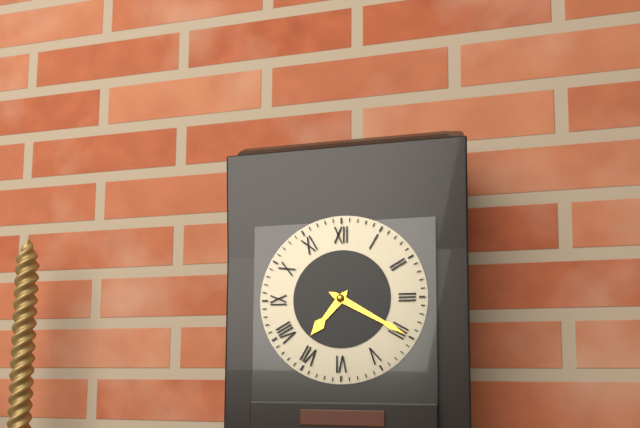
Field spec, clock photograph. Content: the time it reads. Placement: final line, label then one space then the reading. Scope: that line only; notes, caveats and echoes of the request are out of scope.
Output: 7:20
